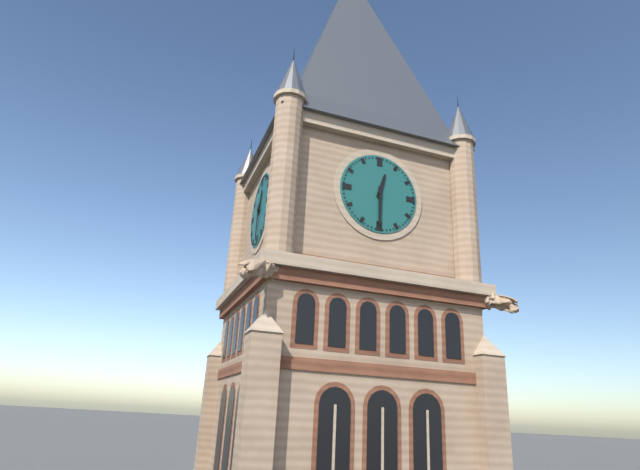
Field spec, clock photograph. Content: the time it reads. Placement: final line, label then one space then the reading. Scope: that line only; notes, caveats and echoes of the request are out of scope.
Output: 12:30
